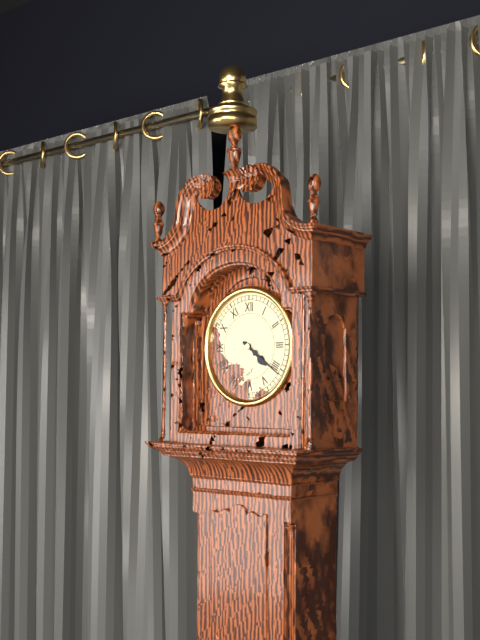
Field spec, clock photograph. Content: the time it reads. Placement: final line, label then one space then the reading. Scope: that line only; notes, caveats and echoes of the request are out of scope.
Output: 4:21
